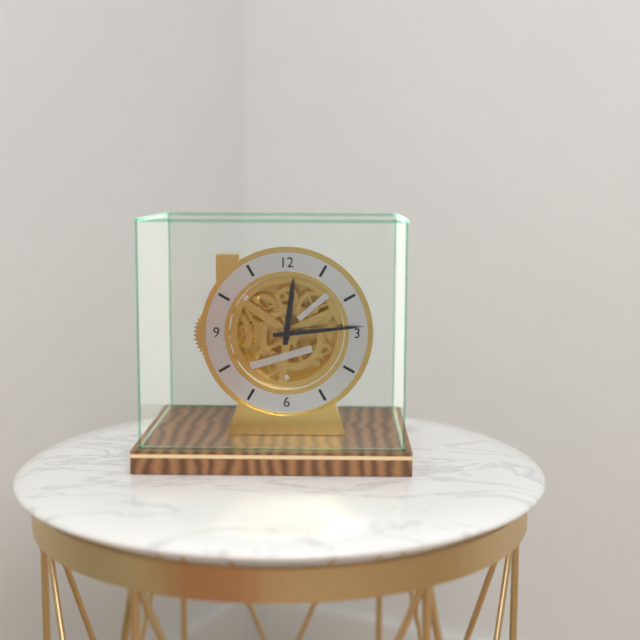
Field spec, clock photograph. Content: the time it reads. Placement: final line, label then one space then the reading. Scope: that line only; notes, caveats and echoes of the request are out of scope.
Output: 12:14
